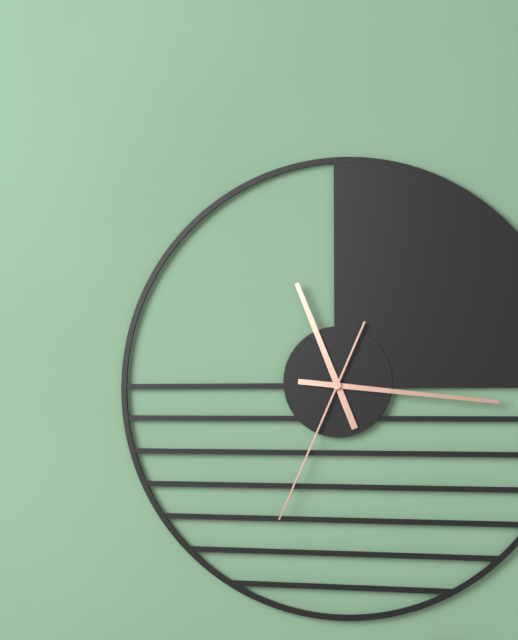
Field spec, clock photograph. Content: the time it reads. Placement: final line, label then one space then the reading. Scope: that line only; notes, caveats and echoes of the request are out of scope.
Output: 11:16:34
